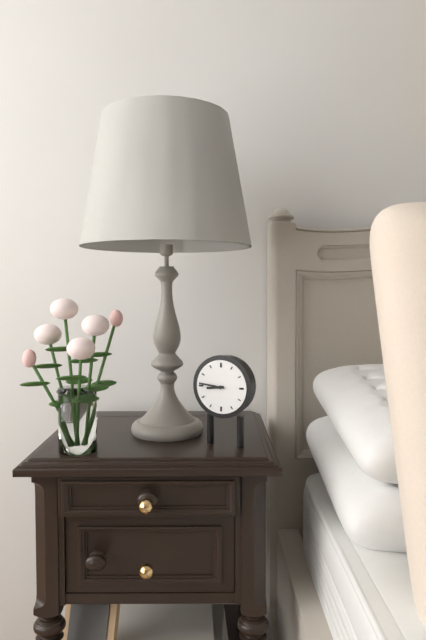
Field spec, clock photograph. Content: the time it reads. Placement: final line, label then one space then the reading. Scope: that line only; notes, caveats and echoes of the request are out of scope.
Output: 8:46
